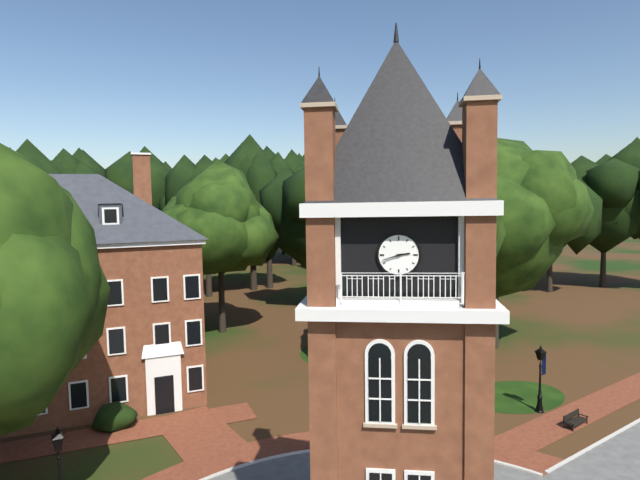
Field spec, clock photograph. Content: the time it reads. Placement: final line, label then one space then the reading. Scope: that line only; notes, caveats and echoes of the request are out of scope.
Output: 2:42
